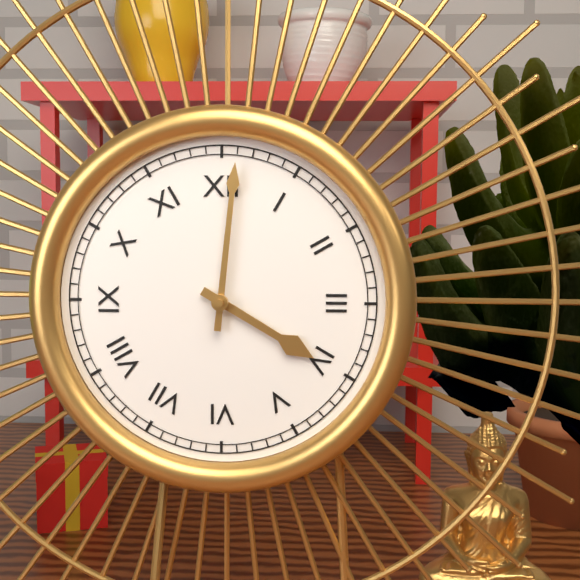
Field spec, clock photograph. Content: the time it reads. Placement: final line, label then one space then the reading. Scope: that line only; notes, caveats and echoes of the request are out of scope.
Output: 4:01
